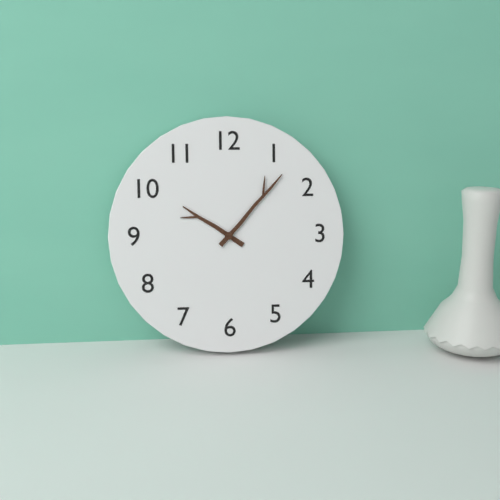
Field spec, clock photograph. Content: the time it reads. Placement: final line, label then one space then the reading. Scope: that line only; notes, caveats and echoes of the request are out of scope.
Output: 10:07
